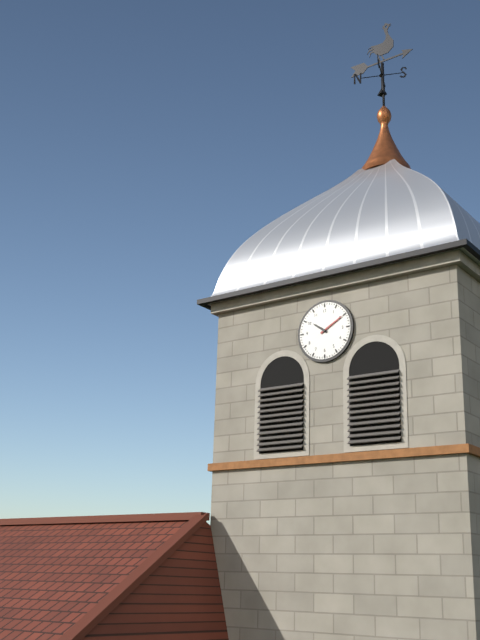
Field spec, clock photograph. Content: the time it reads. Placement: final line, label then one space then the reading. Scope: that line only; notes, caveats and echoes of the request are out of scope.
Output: 10:10
